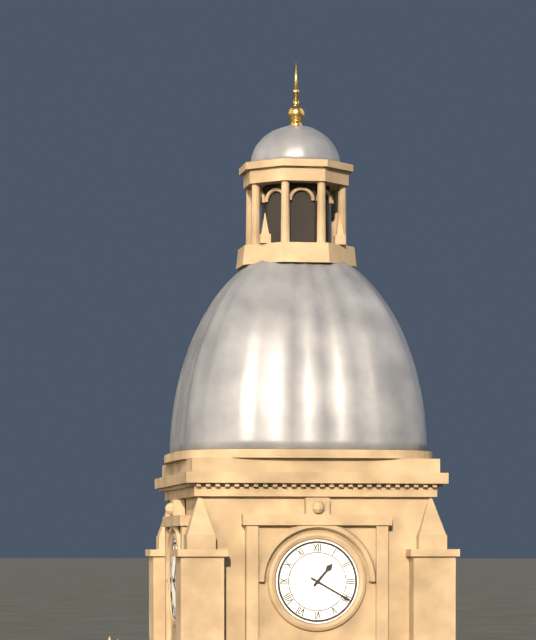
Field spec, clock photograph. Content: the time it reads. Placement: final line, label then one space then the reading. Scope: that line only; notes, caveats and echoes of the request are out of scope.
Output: 1:20
